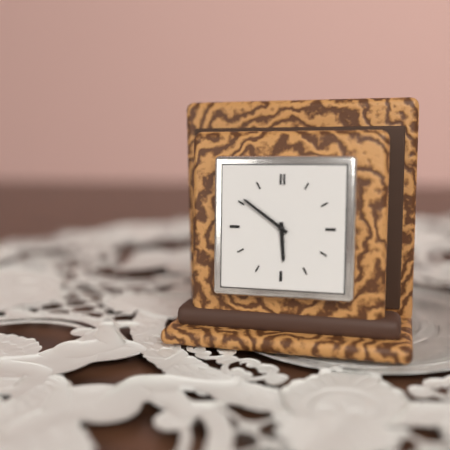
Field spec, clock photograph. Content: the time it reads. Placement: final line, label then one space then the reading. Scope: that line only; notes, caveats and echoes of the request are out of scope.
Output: 5:51
